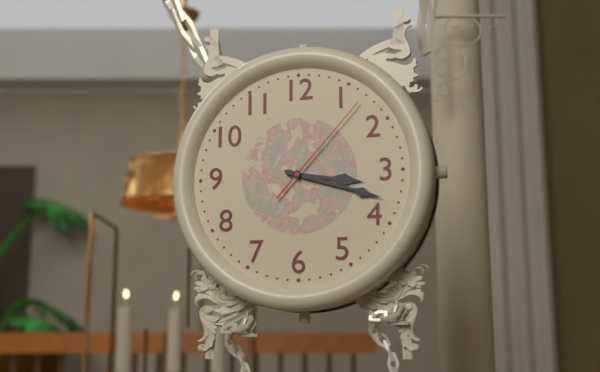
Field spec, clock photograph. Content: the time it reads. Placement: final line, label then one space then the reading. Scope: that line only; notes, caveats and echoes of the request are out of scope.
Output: 3:18:07
